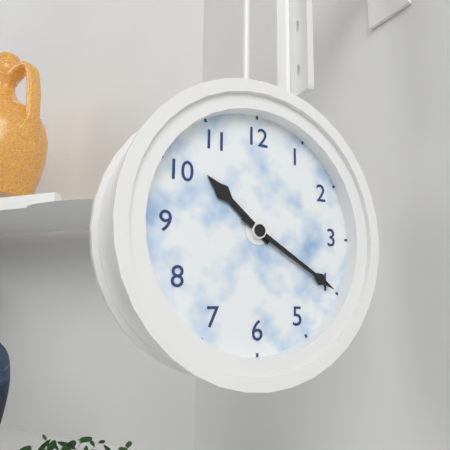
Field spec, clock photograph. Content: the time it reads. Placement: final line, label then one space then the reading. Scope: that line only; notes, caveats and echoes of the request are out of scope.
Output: 10:20
